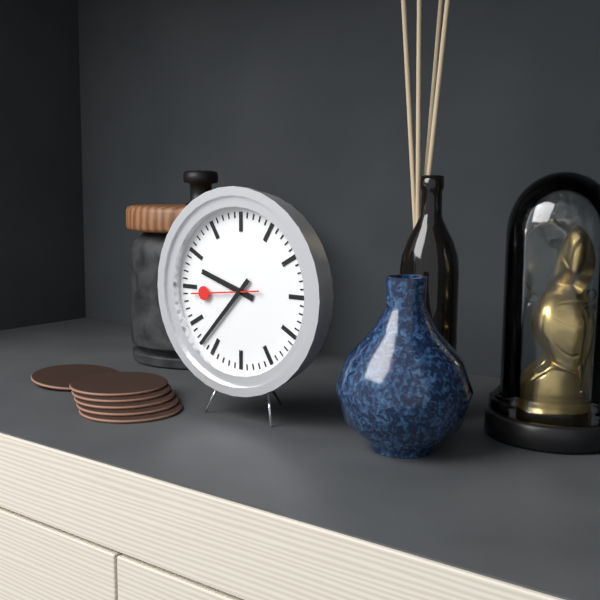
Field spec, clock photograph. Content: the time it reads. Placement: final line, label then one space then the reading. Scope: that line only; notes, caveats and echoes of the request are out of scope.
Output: 9:37:44
